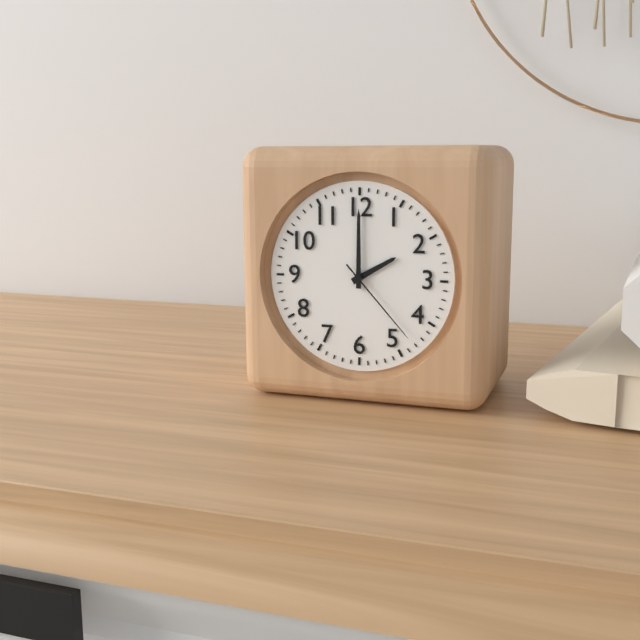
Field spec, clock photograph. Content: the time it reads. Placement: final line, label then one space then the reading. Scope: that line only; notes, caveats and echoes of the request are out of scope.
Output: 2:00:23
